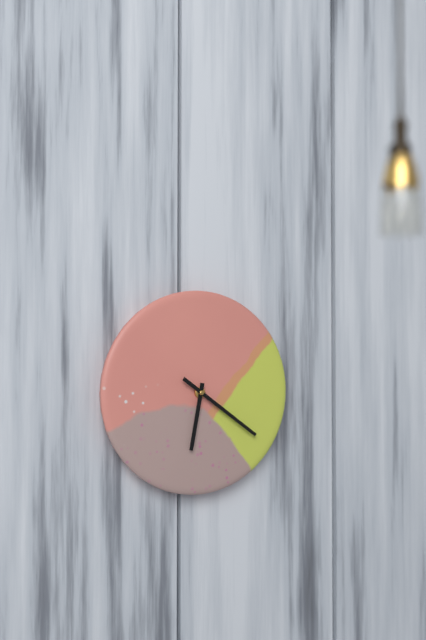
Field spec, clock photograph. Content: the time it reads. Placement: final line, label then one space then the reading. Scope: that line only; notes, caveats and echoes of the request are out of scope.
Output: 6:21
